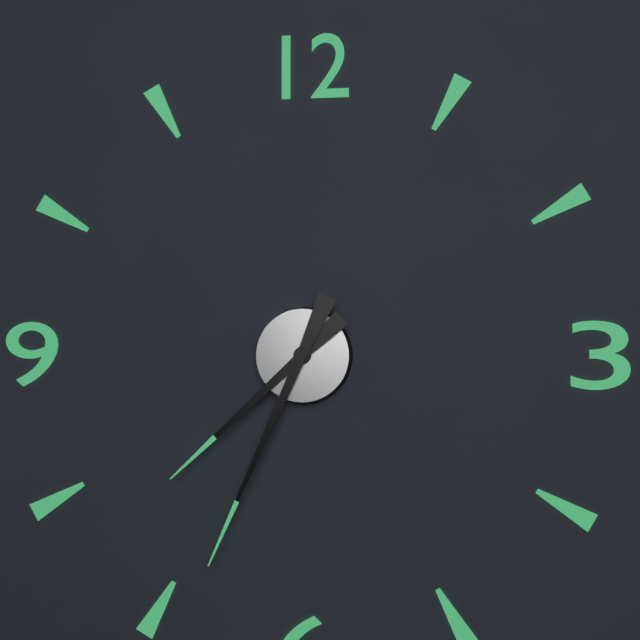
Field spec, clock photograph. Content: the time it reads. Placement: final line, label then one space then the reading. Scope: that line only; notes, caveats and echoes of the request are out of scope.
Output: 7:34
